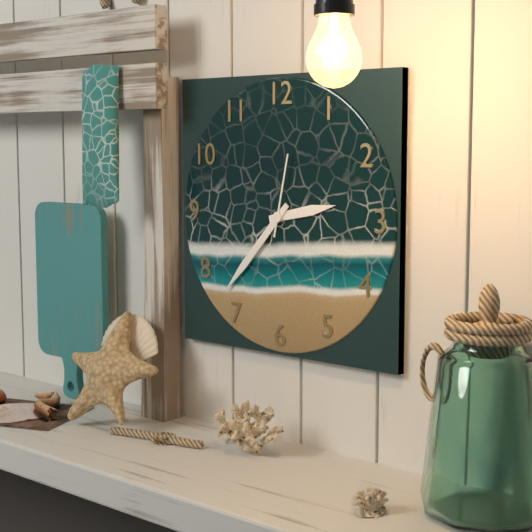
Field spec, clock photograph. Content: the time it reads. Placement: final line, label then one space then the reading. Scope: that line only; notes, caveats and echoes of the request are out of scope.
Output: 2:37:02
